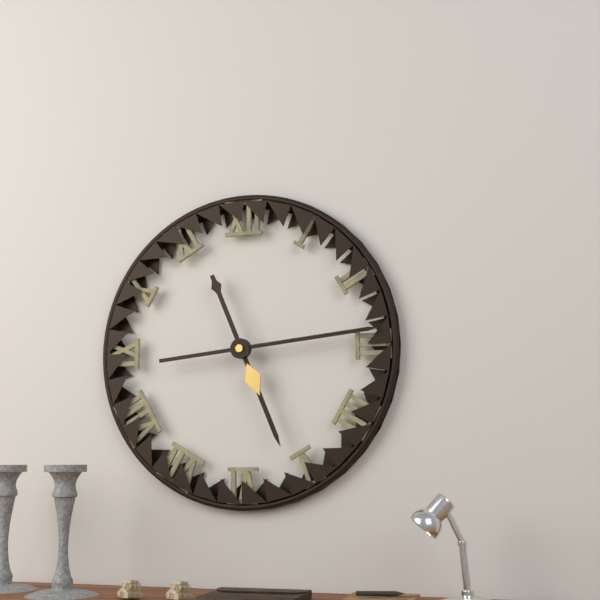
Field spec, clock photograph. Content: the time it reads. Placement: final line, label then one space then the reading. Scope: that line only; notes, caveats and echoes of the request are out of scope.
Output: 5:14
